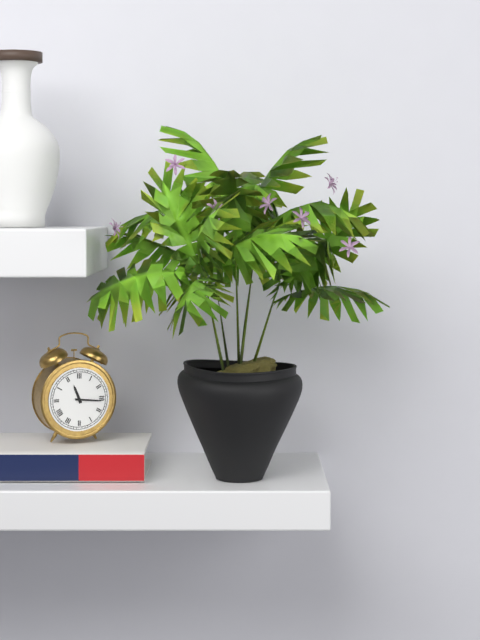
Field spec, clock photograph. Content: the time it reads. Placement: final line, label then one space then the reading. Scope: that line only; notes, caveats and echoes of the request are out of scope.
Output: 11:16
